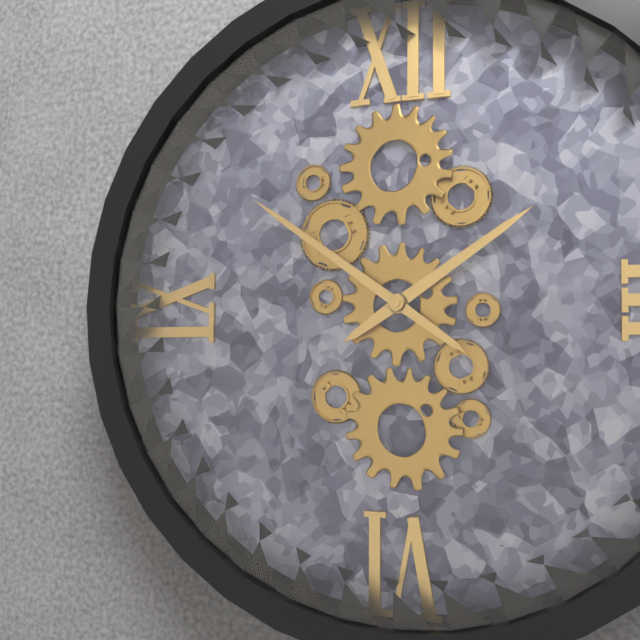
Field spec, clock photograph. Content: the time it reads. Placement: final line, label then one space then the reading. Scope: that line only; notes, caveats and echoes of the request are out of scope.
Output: 1:51
